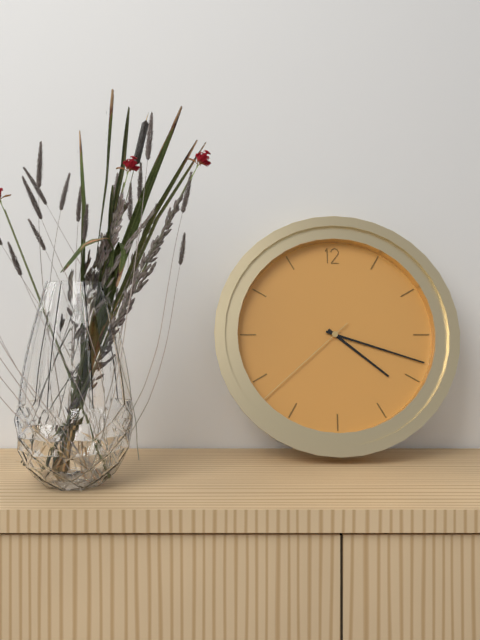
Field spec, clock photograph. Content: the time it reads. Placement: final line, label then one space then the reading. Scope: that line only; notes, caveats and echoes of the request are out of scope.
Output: 4:18:38
